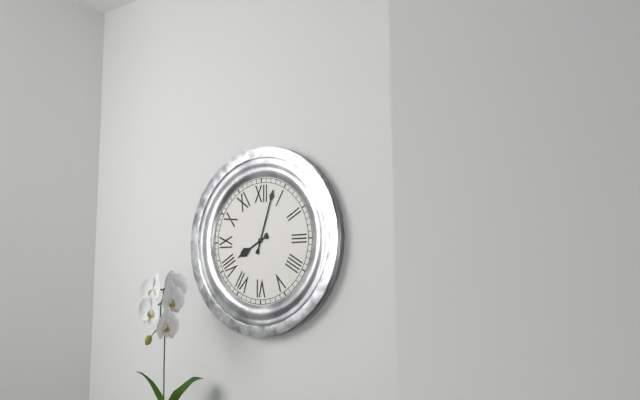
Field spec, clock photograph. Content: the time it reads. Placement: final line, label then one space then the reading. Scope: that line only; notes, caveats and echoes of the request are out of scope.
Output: 8:03
